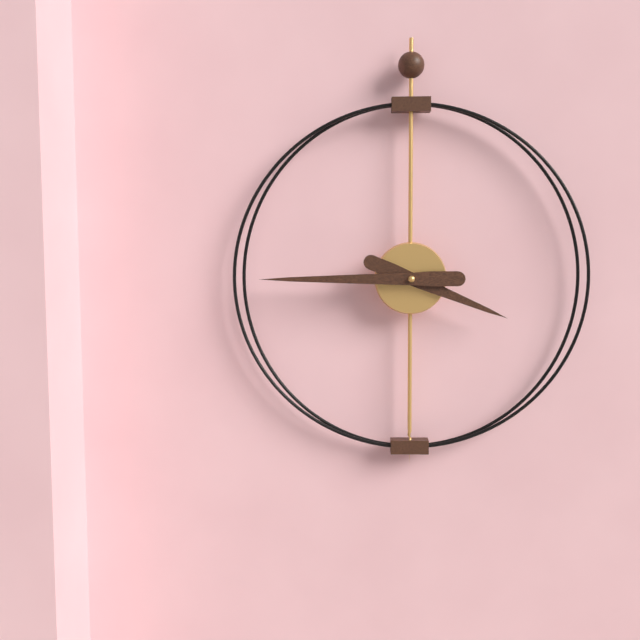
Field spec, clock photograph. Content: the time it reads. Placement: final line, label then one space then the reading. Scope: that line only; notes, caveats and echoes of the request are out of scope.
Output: 3:45
